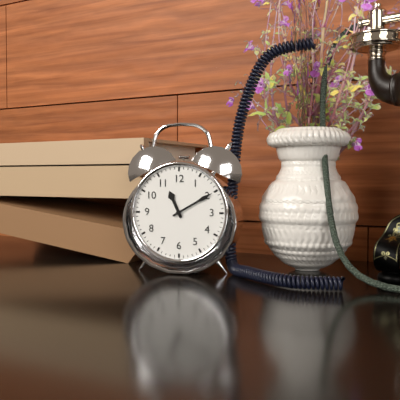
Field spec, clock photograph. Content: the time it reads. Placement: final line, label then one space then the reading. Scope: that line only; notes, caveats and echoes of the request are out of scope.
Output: 11:10
